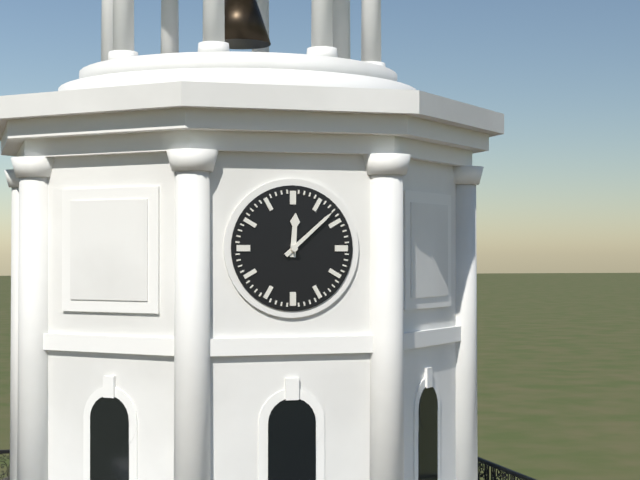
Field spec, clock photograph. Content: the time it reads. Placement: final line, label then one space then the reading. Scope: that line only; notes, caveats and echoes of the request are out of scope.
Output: 12:08
